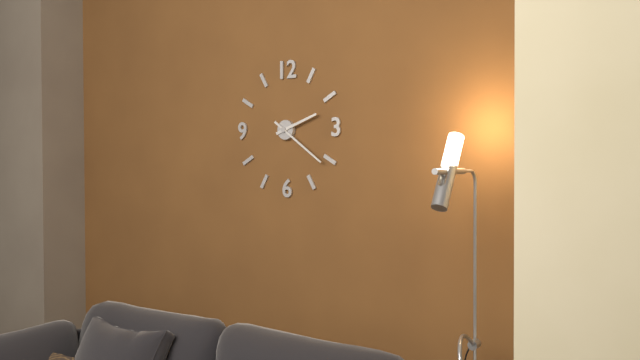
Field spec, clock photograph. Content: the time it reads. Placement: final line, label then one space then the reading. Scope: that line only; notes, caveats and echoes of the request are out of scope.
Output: 2:21
